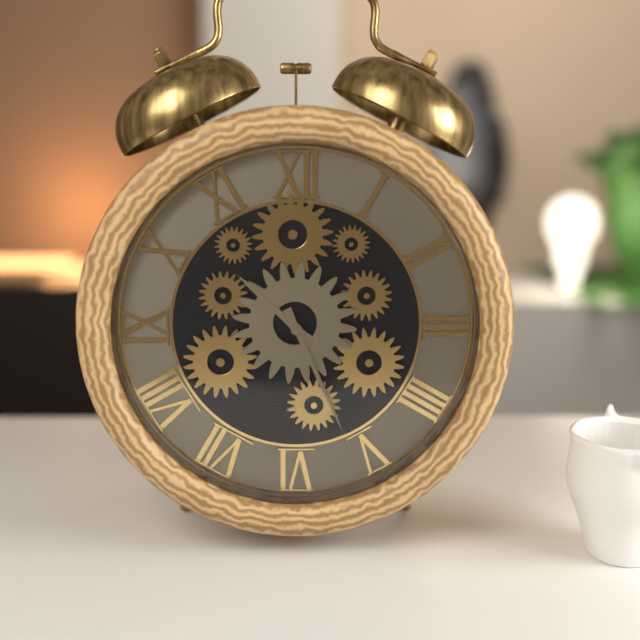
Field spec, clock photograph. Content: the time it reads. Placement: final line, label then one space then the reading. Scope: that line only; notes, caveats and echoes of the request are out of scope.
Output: 10:26
